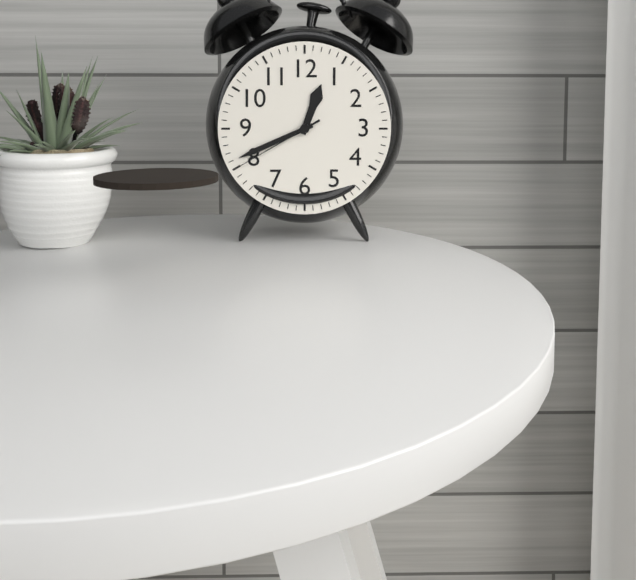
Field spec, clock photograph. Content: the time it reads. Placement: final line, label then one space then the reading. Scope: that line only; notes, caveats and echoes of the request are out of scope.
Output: 12:41:40
